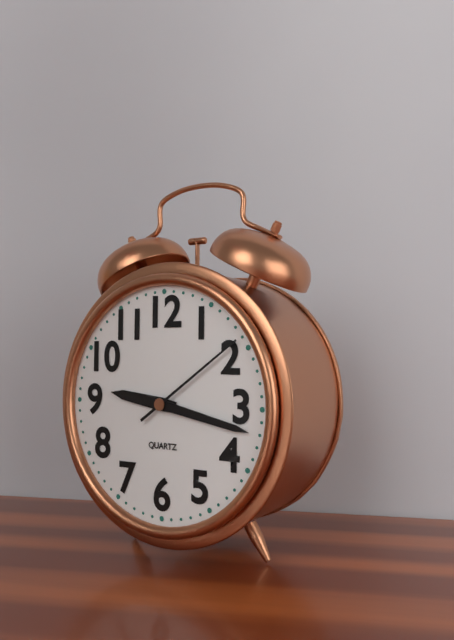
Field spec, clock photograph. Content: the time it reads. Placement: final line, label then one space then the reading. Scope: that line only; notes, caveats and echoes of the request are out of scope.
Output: 9:17:09
